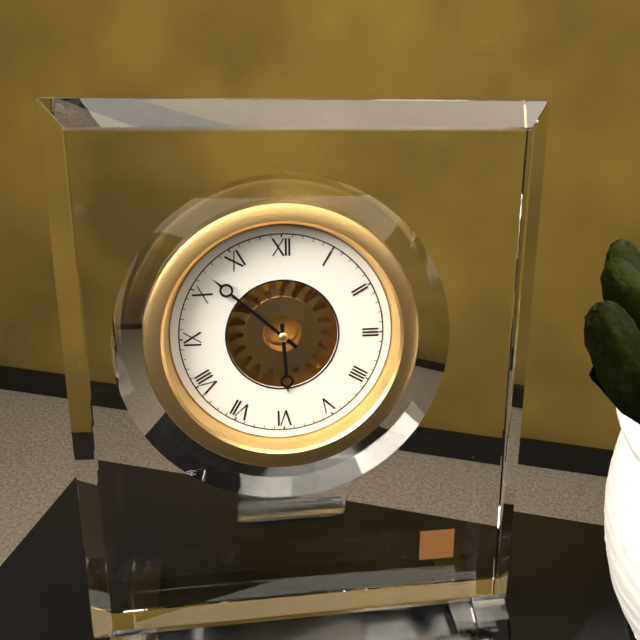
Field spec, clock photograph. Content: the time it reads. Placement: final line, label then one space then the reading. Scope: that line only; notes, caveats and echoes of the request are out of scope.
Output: 5:52
